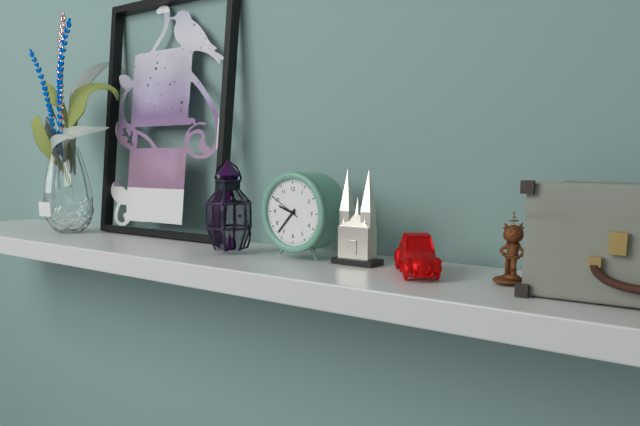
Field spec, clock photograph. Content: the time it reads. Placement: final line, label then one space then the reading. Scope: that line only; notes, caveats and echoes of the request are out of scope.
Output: 9:37
